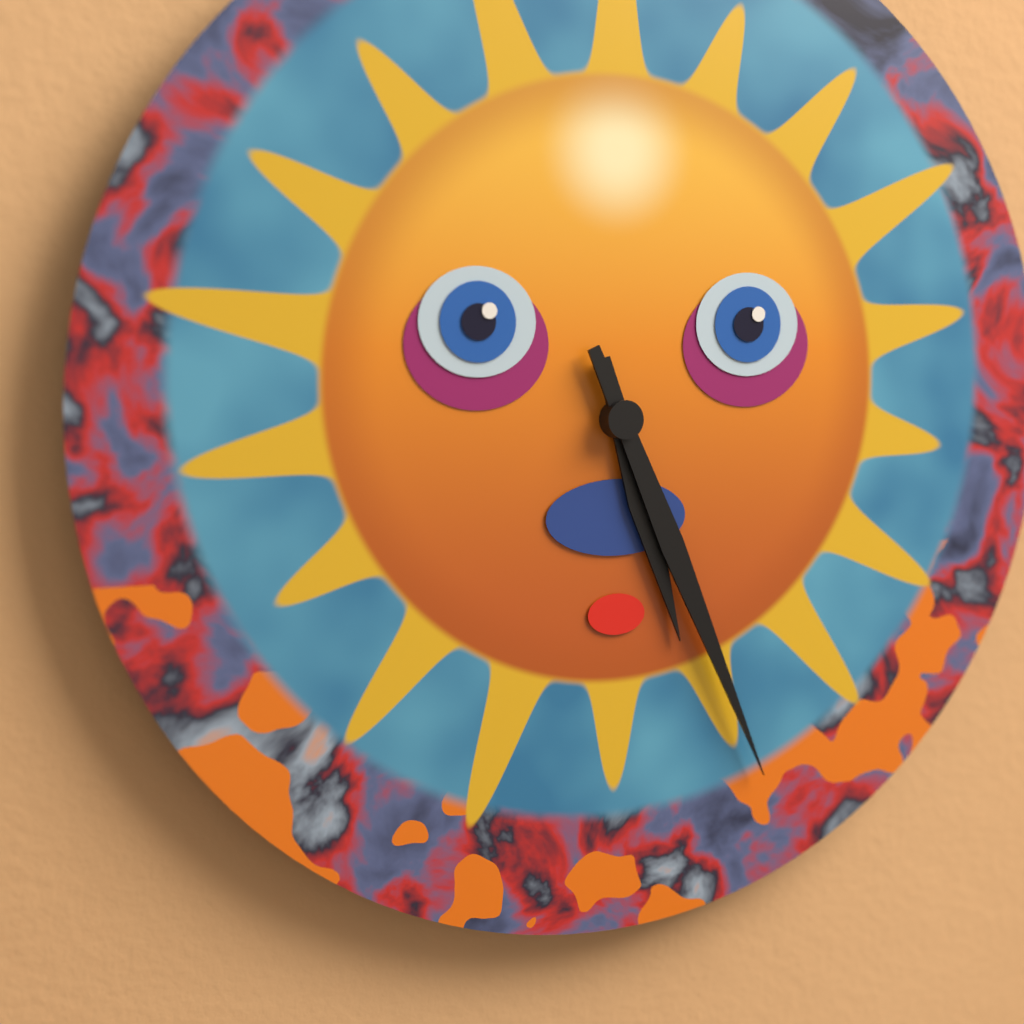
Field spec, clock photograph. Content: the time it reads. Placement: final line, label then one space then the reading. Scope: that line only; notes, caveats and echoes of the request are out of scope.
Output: 5:26
